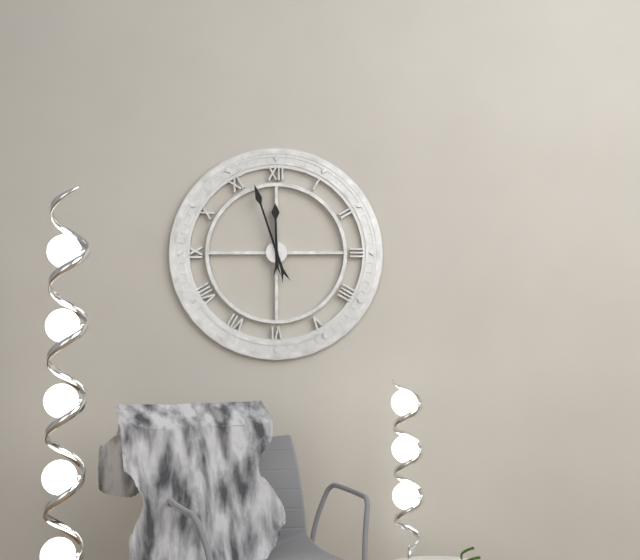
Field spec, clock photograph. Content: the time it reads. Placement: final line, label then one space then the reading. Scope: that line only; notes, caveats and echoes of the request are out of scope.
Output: 11:57
